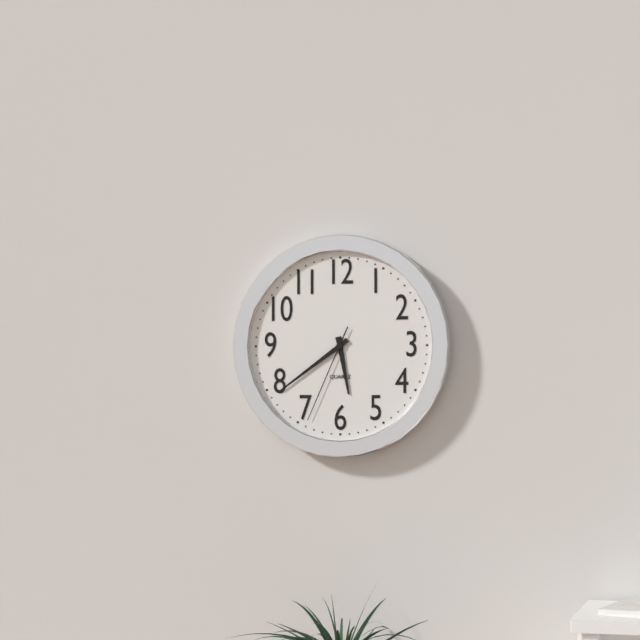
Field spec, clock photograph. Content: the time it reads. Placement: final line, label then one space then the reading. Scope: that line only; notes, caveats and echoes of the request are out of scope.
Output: 5:39:34
